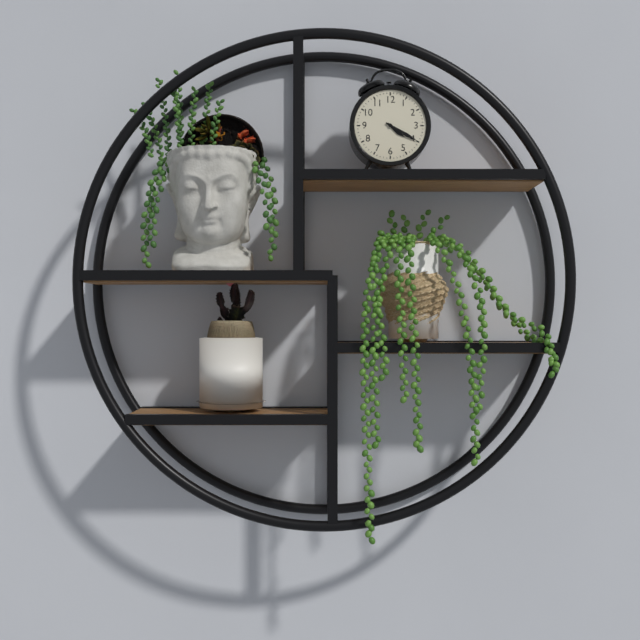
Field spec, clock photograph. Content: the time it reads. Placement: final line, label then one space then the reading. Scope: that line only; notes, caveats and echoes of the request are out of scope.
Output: 4:20
